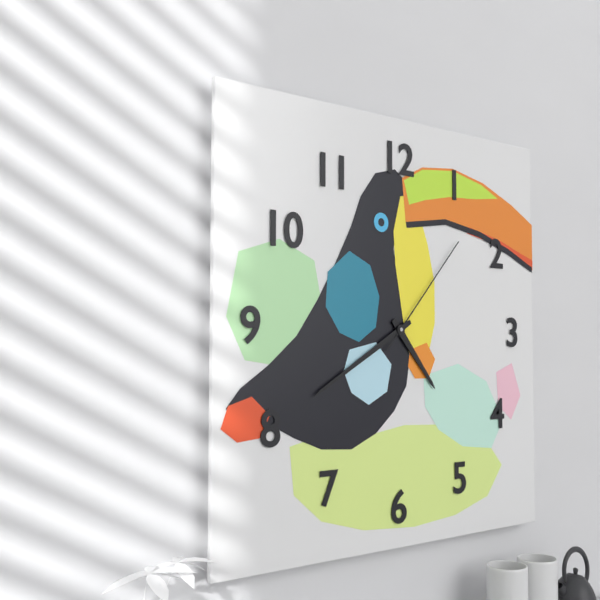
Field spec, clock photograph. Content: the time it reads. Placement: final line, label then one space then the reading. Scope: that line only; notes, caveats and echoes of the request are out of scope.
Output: 4:40:07
